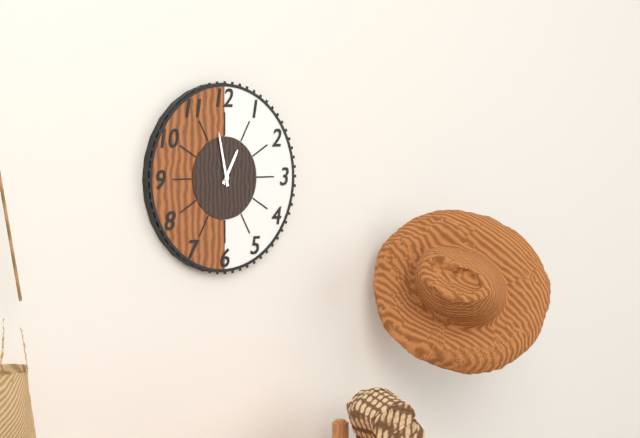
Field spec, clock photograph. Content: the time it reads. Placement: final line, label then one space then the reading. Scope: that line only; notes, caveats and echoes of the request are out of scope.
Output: 12:58
